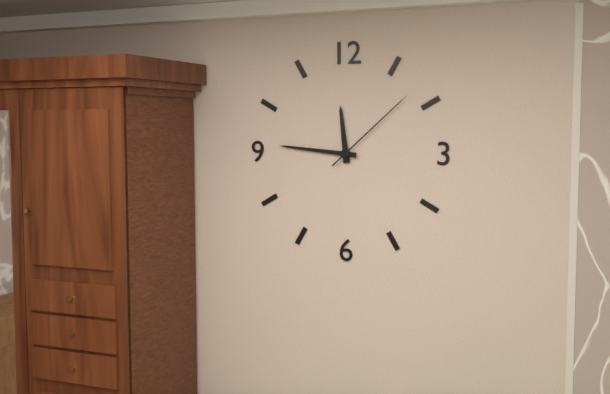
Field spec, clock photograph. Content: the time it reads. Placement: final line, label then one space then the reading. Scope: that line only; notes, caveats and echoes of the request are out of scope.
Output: 11:46:08
